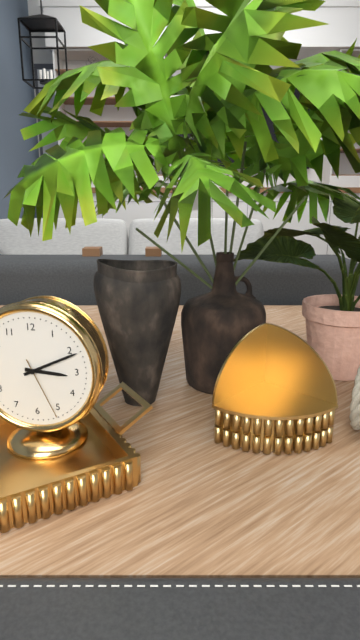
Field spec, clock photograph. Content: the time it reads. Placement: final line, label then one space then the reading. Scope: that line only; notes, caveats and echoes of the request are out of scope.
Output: 3:11:26
